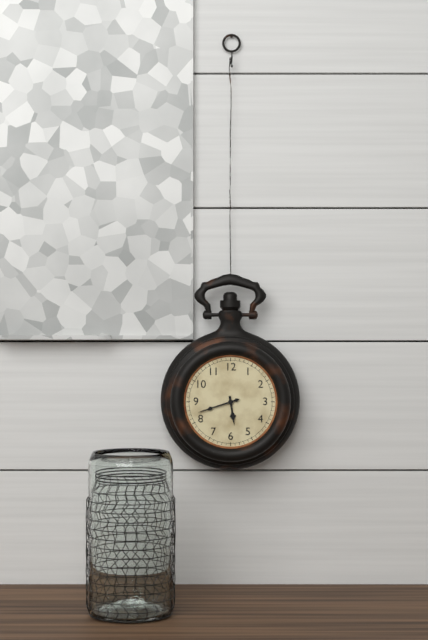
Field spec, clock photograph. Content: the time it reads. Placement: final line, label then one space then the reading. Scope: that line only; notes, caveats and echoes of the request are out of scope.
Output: 5:42
